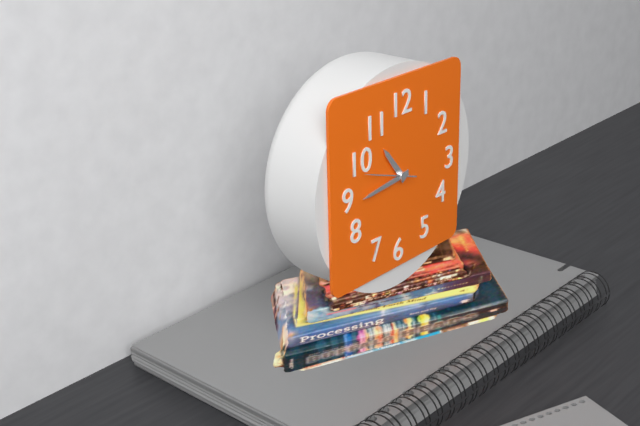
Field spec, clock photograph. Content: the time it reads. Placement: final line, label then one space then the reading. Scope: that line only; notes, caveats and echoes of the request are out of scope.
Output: 10:44
